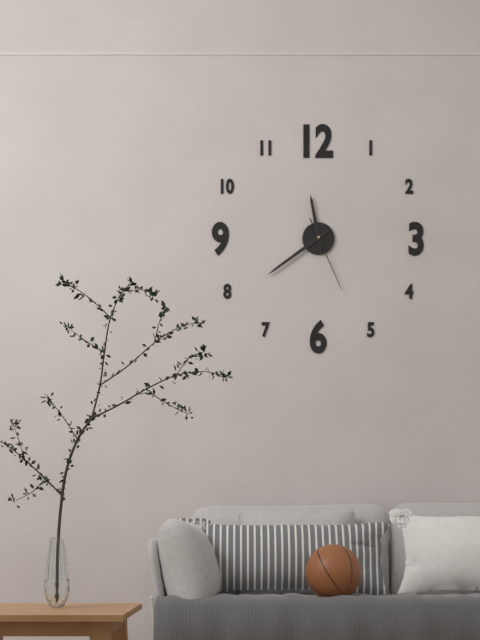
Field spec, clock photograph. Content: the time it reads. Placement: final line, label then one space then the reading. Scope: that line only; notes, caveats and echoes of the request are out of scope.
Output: 11:39:26
